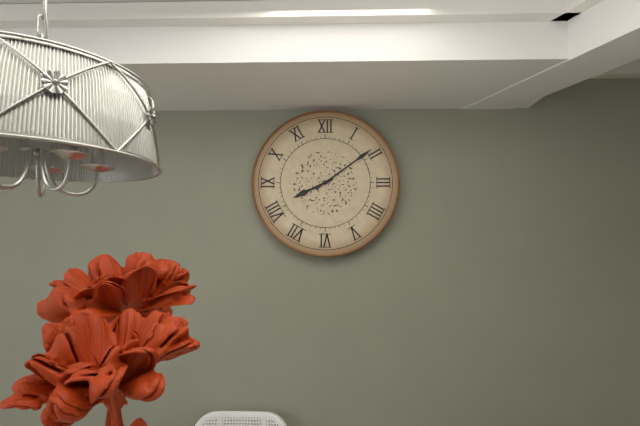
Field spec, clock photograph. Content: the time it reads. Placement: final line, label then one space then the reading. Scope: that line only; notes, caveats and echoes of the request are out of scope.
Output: 8:09
